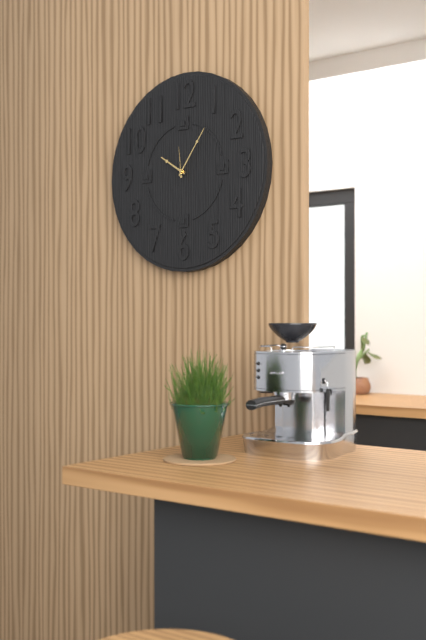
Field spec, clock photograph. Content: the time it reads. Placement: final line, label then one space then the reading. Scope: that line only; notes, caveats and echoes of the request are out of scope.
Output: 10:06
